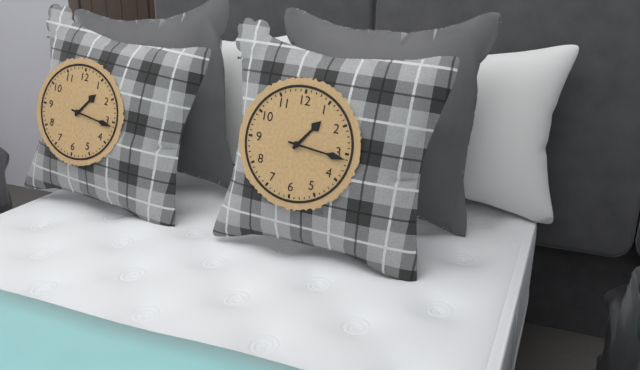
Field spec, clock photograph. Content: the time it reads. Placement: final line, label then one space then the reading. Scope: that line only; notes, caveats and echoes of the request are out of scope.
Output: 1:16
